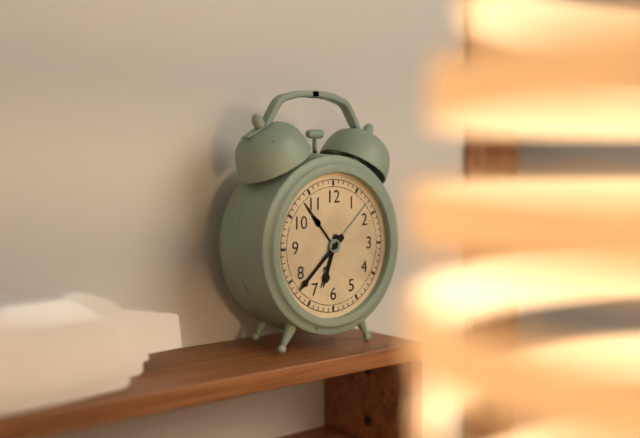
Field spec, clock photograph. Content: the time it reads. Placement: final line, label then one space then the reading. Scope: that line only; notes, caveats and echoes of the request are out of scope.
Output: 6:38
